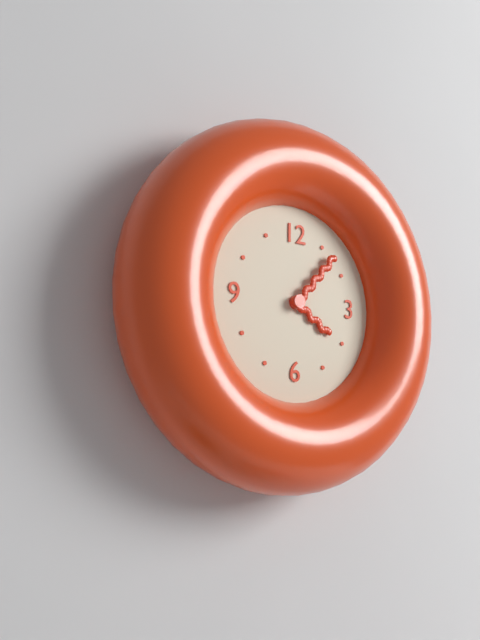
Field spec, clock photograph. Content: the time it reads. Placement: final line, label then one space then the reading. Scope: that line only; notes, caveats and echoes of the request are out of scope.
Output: 4:07
